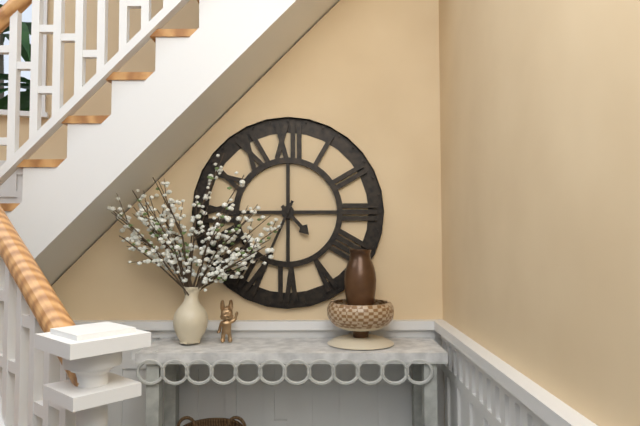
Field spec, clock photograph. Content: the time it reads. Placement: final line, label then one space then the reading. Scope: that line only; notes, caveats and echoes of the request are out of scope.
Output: 4:34
